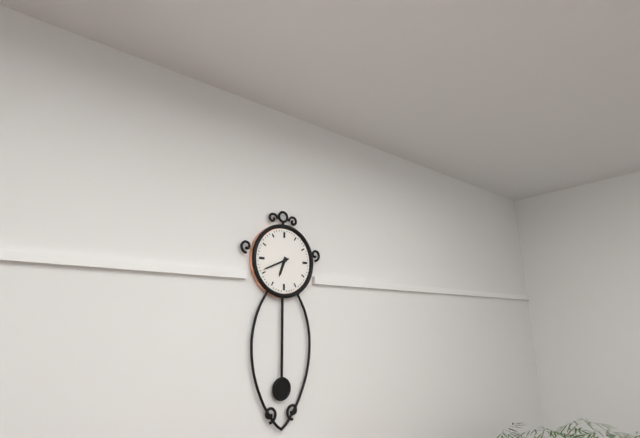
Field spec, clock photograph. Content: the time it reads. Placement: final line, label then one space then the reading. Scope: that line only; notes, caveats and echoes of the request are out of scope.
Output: 6:41
